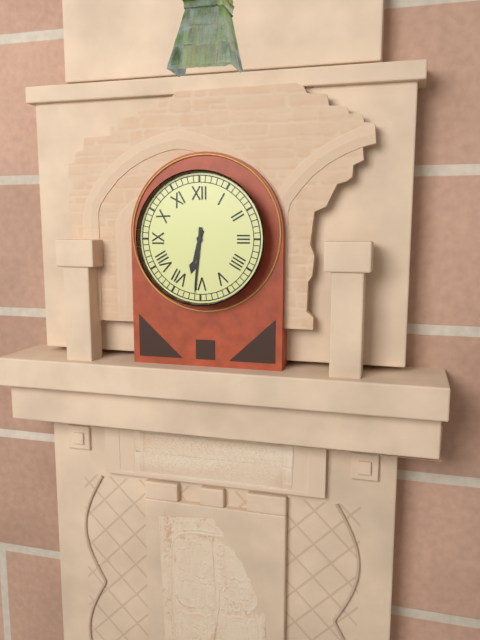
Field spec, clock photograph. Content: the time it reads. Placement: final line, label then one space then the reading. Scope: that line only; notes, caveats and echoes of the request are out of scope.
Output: 6:31
